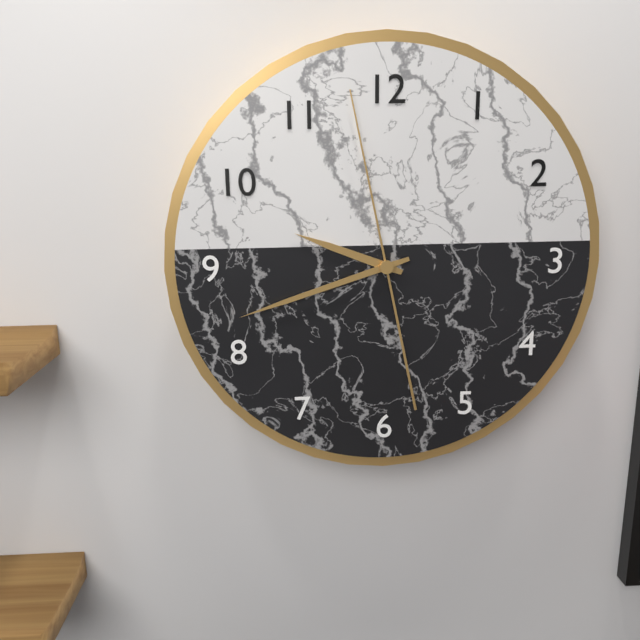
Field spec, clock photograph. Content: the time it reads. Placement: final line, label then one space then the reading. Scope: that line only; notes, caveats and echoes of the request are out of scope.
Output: 9:42:58
